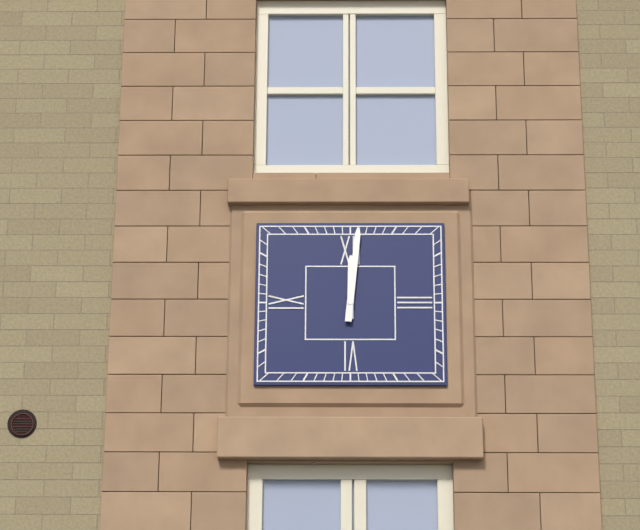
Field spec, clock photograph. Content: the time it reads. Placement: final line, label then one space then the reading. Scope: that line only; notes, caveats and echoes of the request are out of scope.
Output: 12:01
